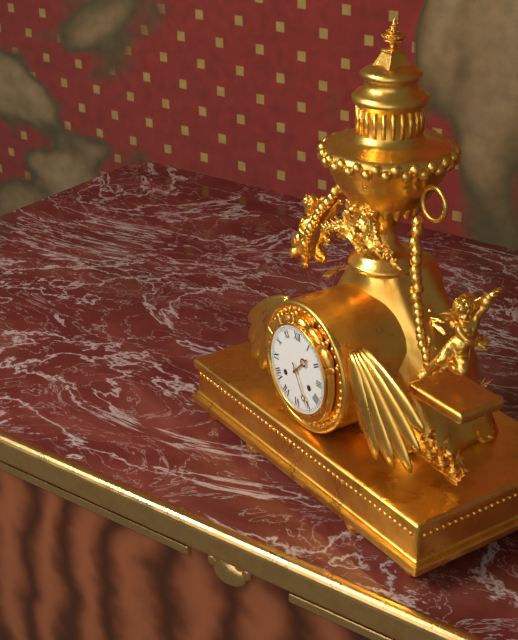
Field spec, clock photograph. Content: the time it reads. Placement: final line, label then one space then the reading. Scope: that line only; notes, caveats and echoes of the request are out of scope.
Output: 1:25
